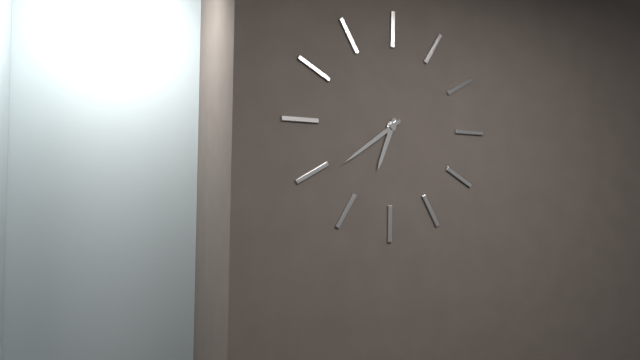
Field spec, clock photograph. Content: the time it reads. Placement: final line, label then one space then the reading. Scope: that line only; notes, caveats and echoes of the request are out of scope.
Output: 6:39
